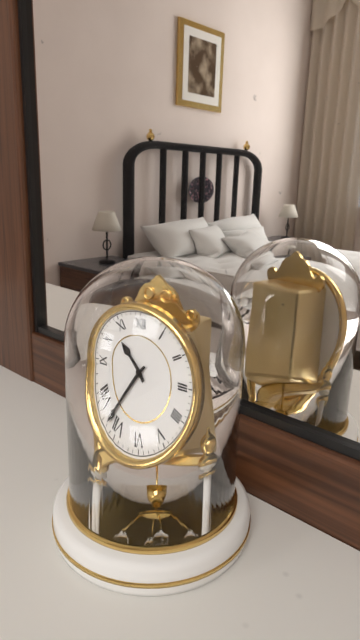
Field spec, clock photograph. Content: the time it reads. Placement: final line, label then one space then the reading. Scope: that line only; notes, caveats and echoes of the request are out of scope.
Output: 10:37
